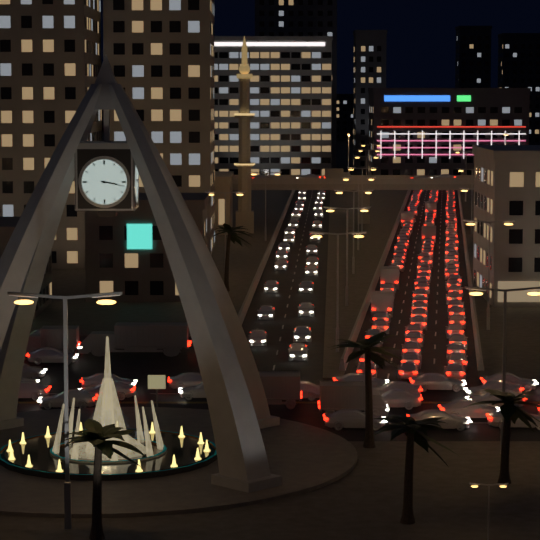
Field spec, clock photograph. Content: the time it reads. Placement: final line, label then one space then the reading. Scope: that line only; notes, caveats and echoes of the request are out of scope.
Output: 3:17
